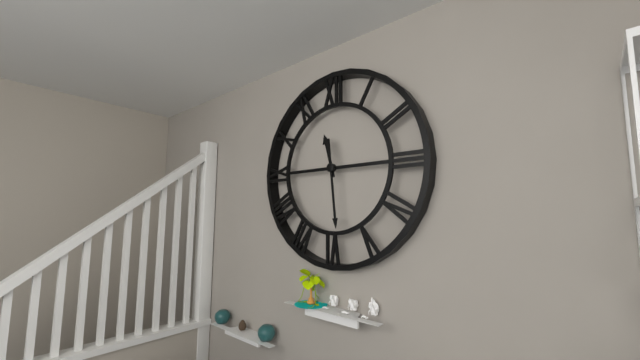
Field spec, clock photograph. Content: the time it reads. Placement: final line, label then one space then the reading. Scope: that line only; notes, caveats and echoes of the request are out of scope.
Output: 11:29
